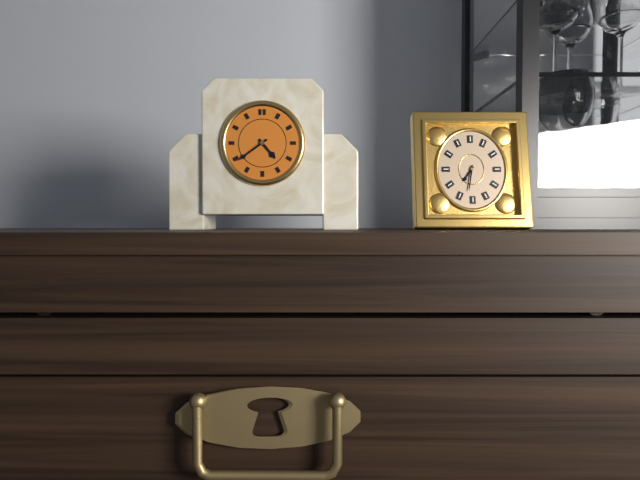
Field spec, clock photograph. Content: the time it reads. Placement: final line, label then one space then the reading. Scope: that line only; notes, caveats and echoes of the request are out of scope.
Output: 4:39
